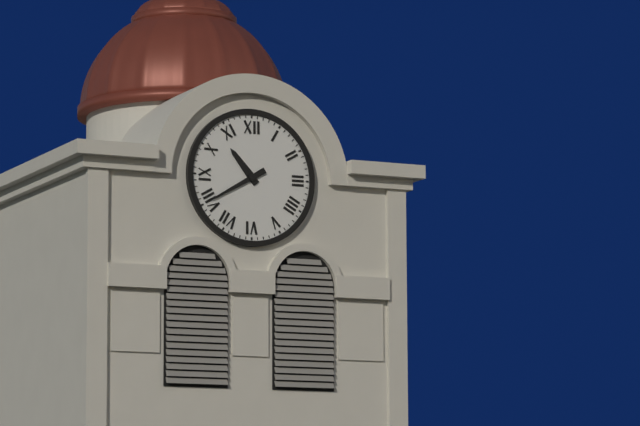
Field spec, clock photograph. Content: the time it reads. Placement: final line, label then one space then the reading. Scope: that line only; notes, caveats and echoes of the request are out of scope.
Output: 10:40
